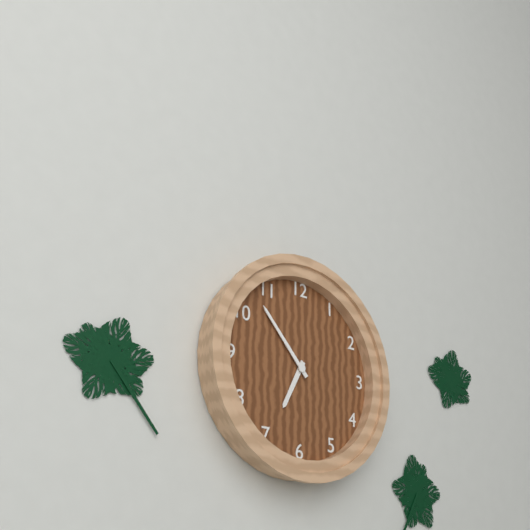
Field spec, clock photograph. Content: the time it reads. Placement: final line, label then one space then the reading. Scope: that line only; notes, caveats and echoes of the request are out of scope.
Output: 6:53
